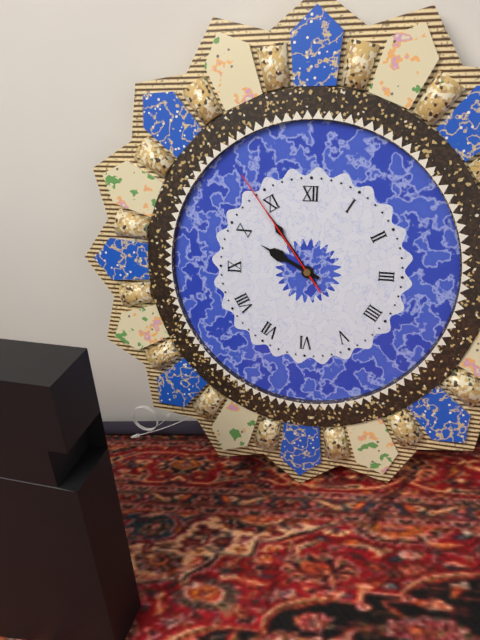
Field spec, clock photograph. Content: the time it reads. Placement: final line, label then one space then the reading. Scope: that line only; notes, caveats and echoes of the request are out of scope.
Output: 9:54:54
